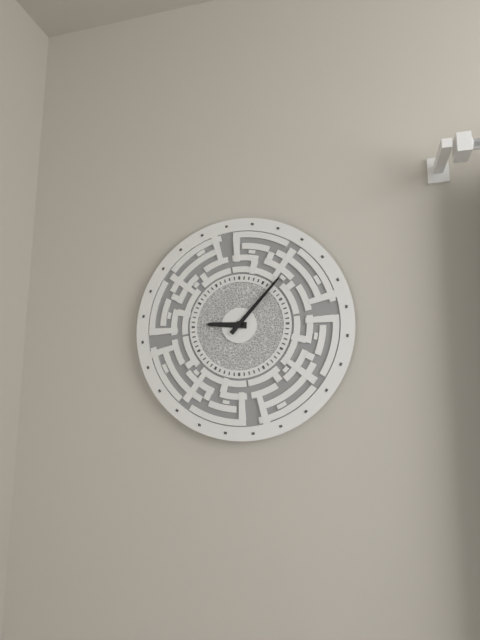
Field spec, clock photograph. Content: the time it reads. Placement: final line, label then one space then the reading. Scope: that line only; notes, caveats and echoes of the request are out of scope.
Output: 9:07
